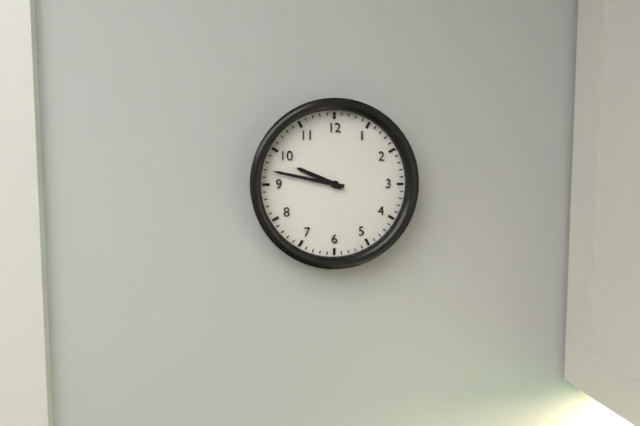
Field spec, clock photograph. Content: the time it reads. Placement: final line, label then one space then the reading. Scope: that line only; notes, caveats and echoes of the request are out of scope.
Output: 9:47
